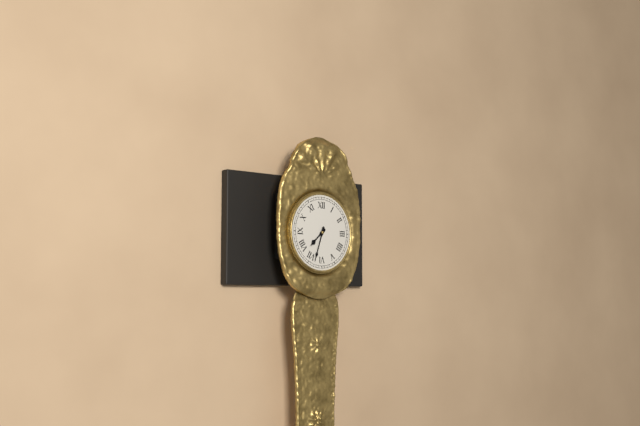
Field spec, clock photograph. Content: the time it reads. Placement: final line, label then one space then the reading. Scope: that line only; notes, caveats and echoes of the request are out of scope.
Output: 7:33
